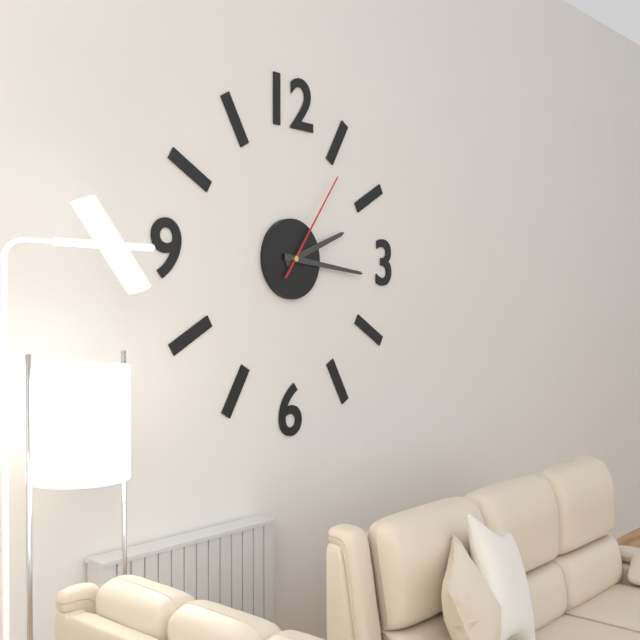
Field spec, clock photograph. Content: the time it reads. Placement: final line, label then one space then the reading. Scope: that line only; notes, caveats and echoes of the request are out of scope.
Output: 2:16:06
